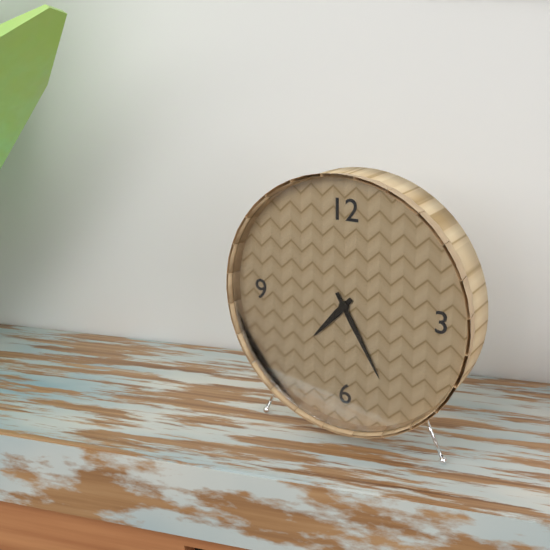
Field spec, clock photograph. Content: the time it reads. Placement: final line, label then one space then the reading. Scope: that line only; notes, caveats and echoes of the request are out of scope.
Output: 7:25
